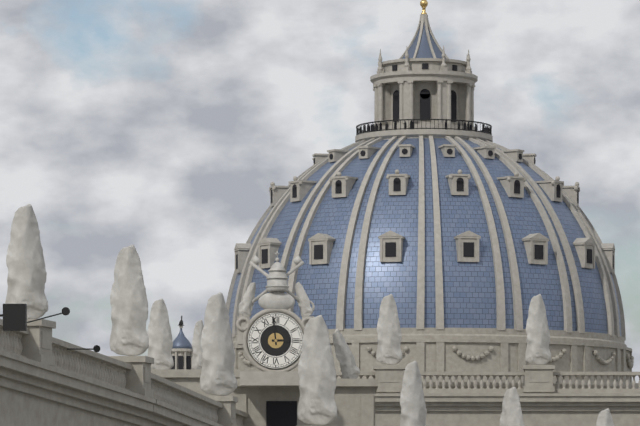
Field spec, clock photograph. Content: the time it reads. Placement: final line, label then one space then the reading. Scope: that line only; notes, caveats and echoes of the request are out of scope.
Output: 2:59
